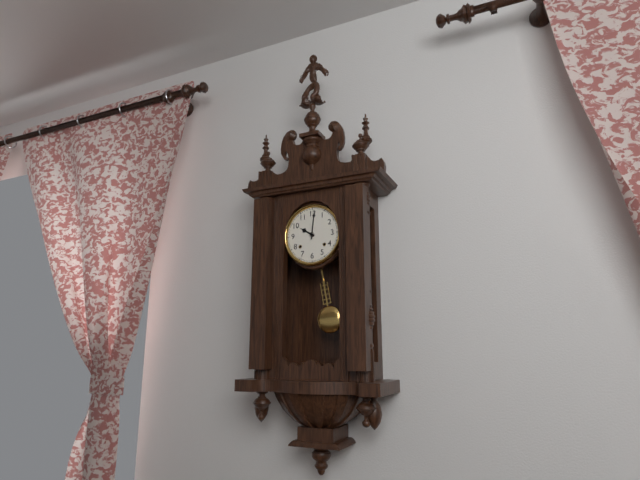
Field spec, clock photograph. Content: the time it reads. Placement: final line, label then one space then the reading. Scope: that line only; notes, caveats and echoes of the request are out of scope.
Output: 10:01
